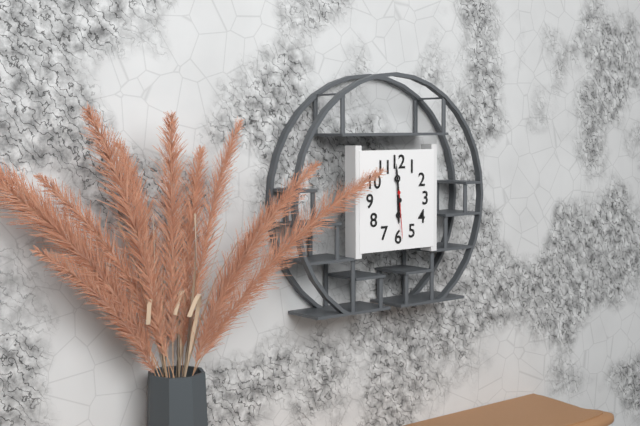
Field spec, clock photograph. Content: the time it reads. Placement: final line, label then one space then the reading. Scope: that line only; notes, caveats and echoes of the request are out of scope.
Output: 5:59
